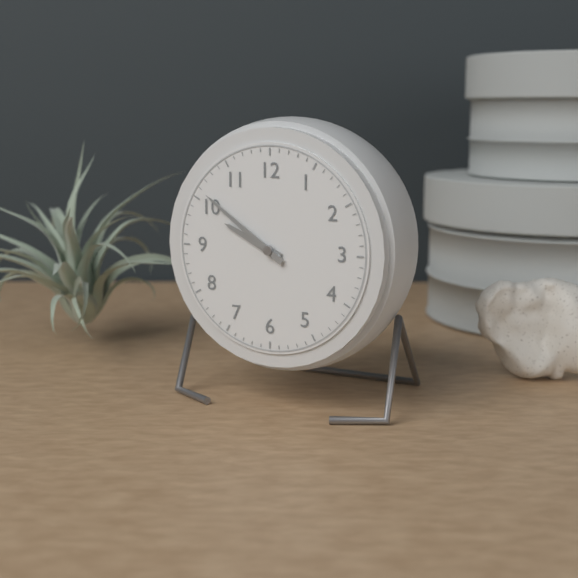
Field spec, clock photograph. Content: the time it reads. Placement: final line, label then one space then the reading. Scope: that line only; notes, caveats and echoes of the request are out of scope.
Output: 9:51
